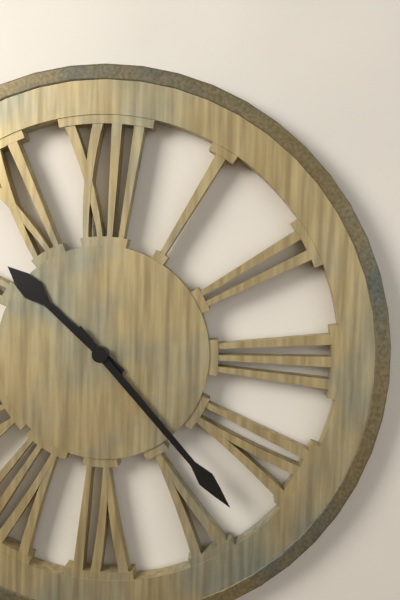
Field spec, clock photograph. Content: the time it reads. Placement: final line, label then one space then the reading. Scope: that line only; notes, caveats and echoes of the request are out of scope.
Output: 10:23
